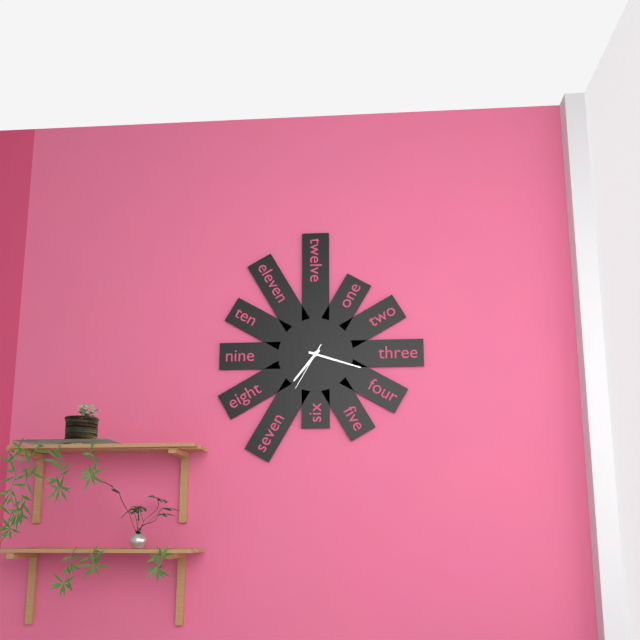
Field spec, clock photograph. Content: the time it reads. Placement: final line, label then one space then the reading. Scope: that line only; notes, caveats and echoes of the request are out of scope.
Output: 7:18
